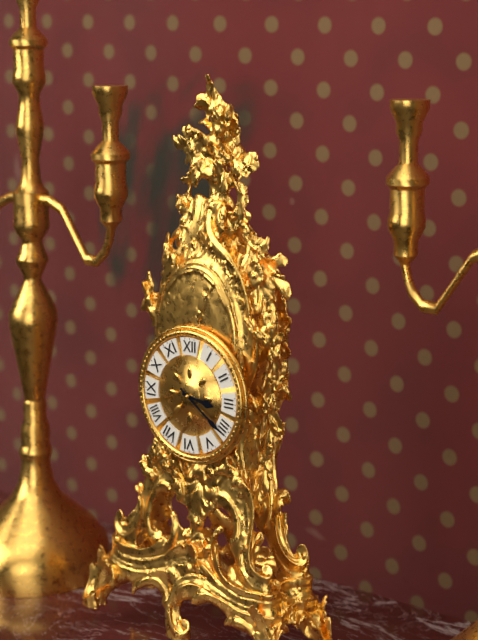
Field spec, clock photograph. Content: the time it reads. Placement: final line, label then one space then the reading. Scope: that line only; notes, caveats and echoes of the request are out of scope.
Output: 3:21
